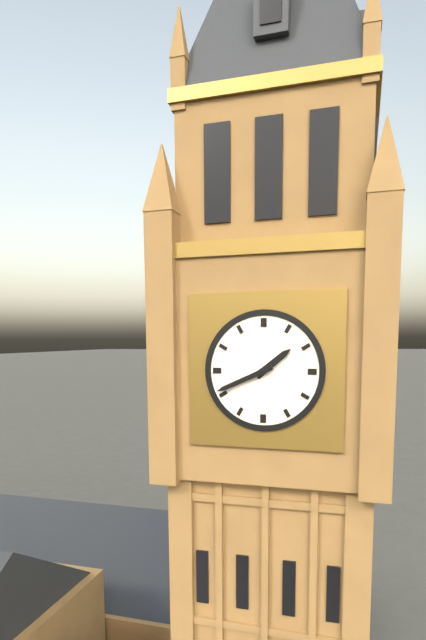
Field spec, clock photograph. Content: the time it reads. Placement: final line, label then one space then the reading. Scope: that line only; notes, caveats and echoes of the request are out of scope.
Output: 1:41
